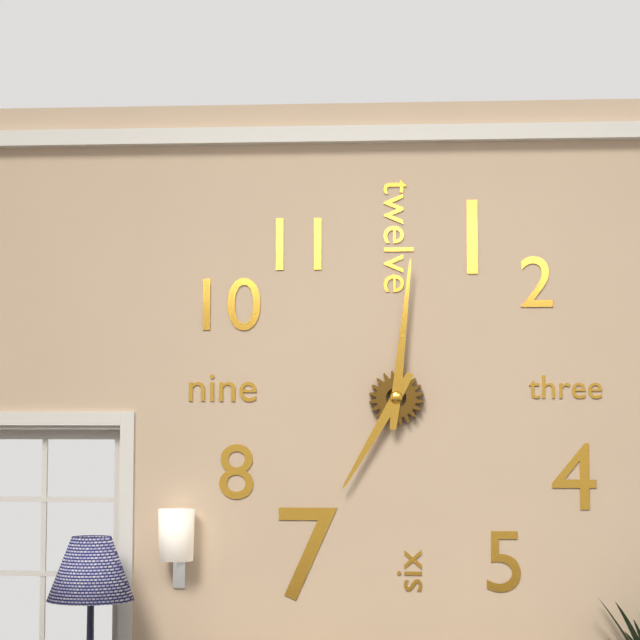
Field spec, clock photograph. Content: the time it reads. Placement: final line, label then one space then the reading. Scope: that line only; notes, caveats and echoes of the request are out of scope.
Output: 7:01
